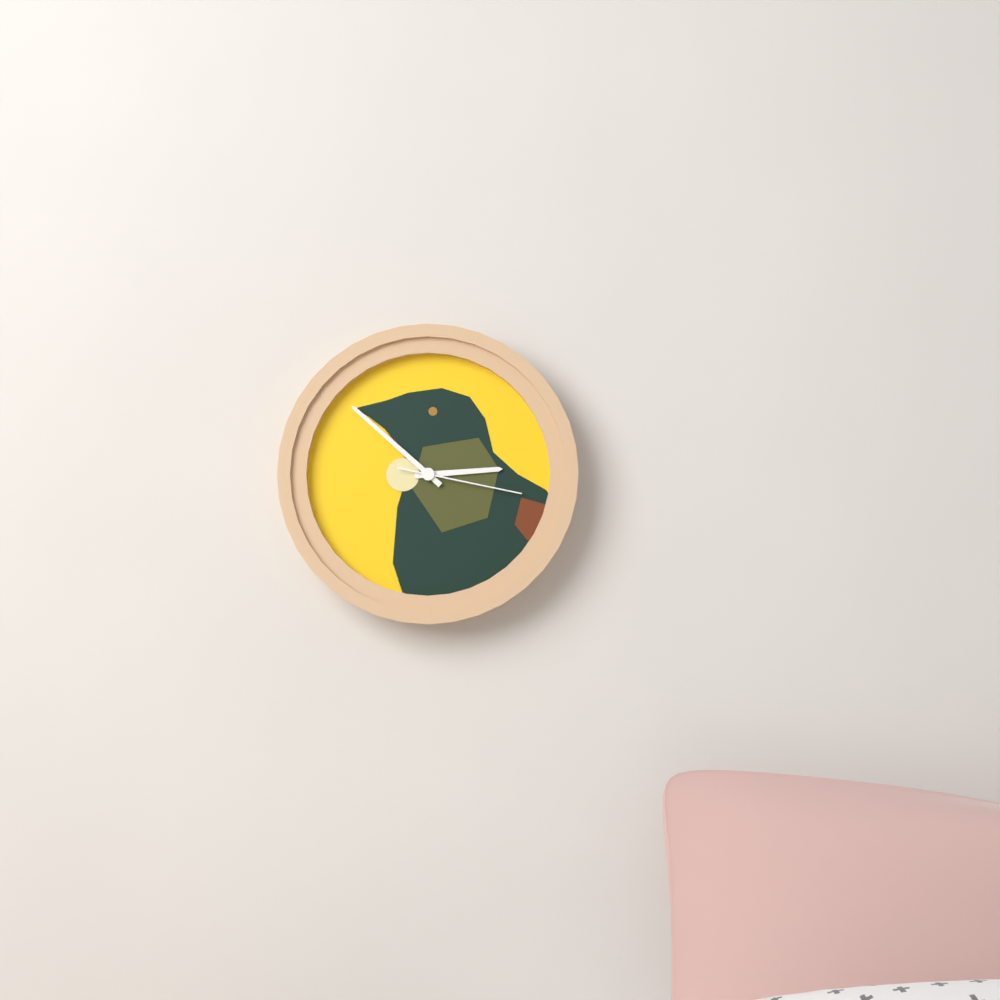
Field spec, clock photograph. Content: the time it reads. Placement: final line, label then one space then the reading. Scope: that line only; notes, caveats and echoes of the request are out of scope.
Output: 2:52:17
